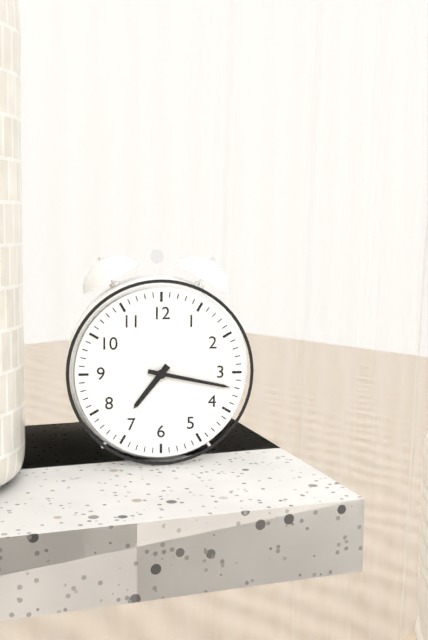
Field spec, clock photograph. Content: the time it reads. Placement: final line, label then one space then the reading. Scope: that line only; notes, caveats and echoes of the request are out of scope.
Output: 7:17
